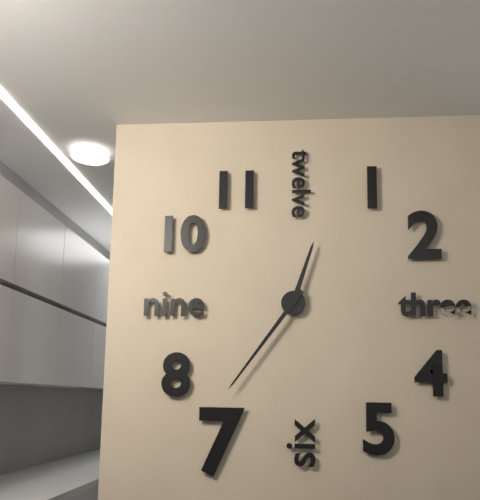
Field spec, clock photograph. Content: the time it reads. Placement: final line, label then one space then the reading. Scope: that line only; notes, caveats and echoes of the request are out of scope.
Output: 12:36
